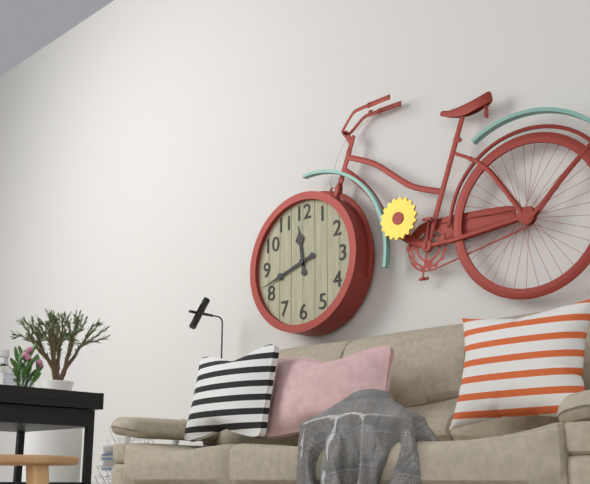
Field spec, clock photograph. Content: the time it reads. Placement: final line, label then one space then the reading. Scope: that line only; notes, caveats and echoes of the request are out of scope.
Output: 11:42
